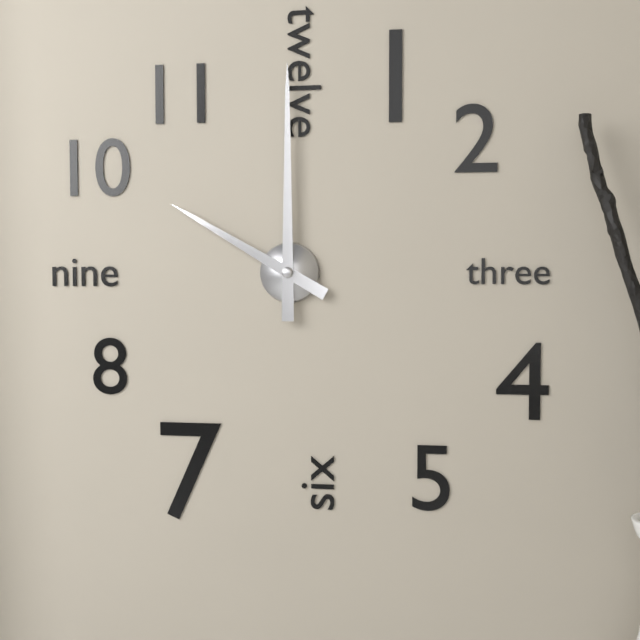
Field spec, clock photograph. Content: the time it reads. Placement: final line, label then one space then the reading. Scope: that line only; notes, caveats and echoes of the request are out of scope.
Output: 10:00
